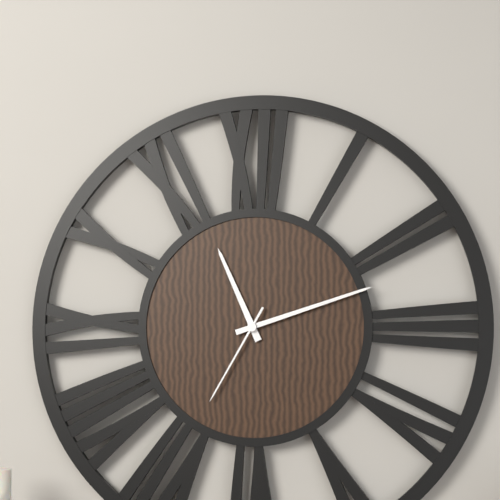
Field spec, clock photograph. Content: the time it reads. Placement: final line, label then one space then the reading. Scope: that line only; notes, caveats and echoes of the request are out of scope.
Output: 11:12:35
